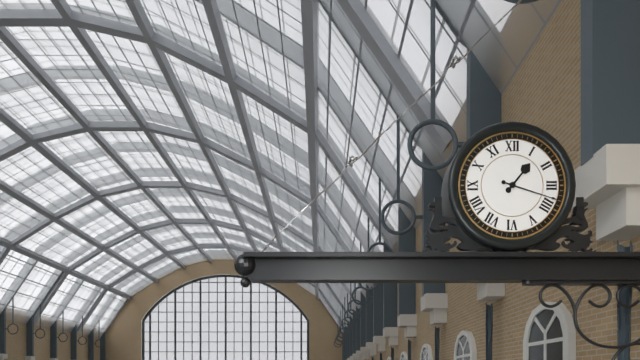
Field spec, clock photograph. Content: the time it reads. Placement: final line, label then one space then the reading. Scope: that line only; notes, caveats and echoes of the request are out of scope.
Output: 1:18
